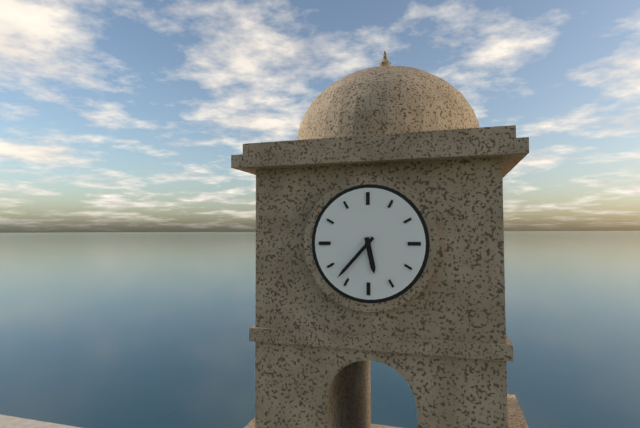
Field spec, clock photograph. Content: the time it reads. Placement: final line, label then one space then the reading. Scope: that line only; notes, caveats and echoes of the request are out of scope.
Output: 5:37
